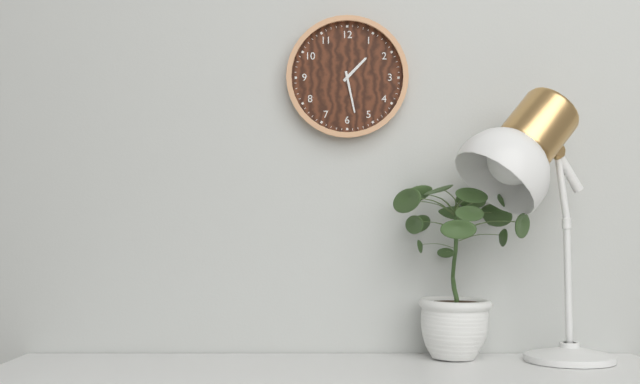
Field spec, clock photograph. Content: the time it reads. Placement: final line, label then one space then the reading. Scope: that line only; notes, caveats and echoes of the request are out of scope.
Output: 1:28
